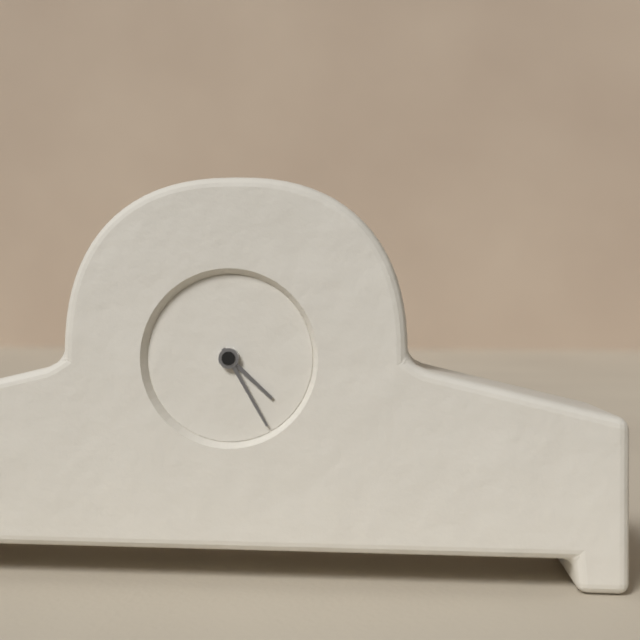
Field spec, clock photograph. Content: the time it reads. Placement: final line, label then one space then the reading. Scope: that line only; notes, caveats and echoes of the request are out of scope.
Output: 4:25
